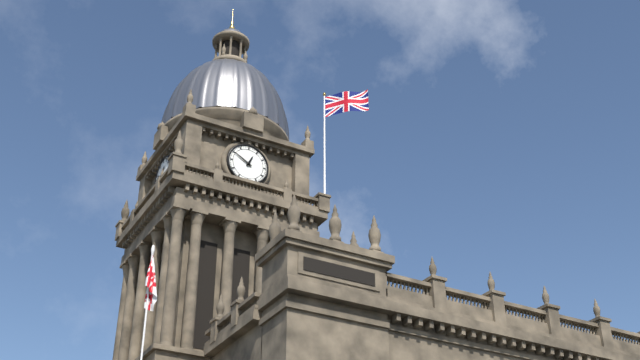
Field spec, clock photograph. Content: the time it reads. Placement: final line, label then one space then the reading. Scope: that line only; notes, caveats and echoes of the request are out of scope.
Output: 12:50
